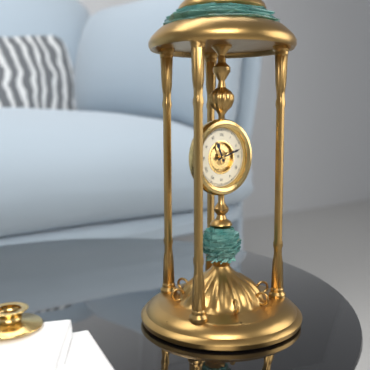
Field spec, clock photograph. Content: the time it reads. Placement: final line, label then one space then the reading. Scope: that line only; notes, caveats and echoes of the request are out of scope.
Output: 11:12
